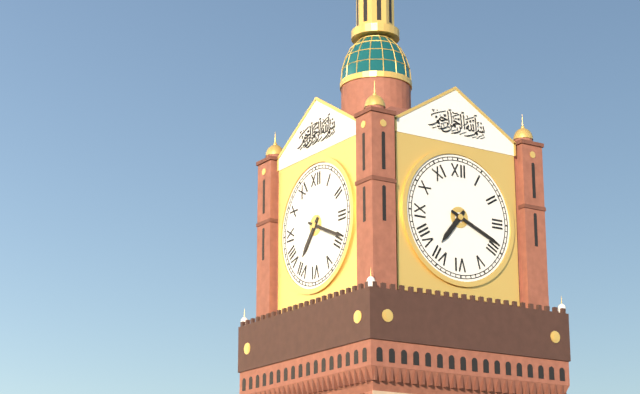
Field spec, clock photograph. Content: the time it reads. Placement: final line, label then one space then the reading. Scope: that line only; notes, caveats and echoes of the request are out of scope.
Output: 7:19
